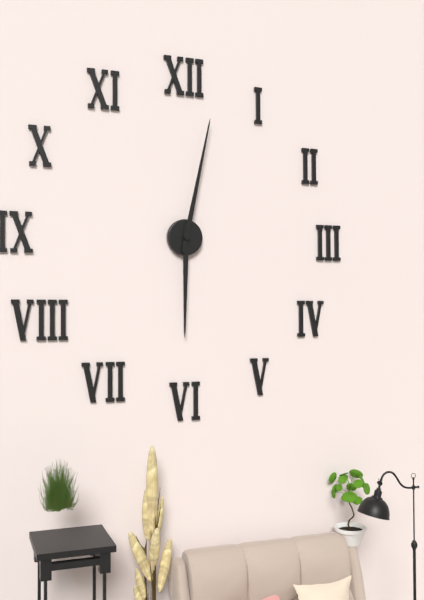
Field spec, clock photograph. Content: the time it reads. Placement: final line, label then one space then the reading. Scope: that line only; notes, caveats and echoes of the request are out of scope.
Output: 6:02
